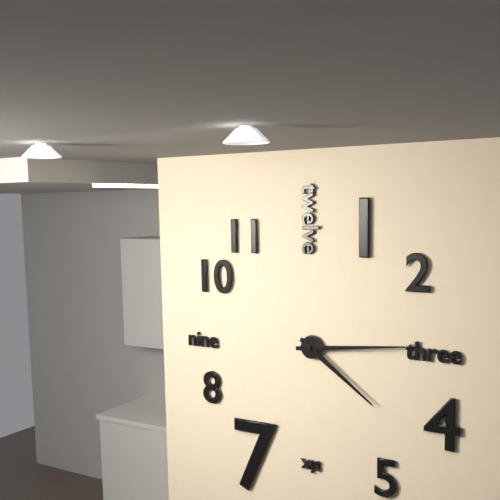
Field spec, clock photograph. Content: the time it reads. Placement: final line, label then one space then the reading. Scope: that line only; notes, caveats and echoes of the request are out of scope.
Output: 4:14
